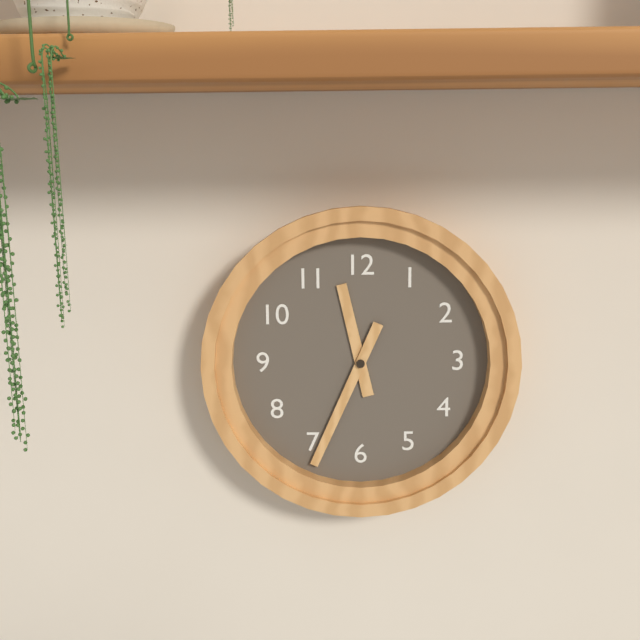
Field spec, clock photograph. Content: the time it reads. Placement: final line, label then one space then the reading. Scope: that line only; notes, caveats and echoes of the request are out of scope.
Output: 11:34
